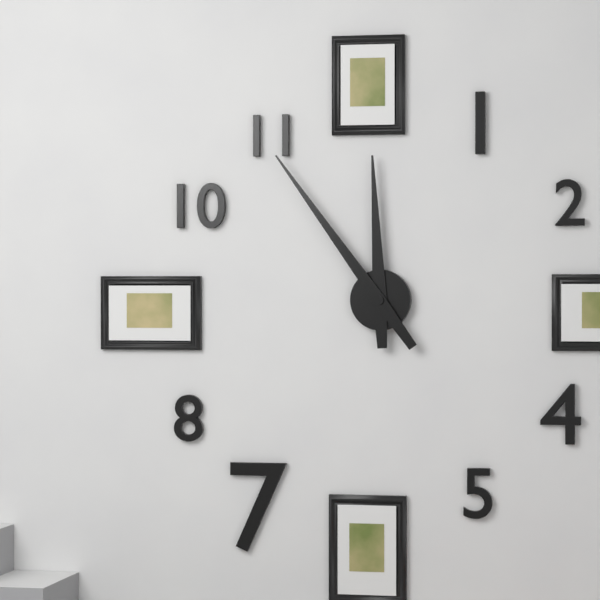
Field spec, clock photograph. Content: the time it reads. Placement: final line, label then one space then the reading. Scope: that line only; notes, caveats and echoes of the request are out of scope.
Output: 11:54
